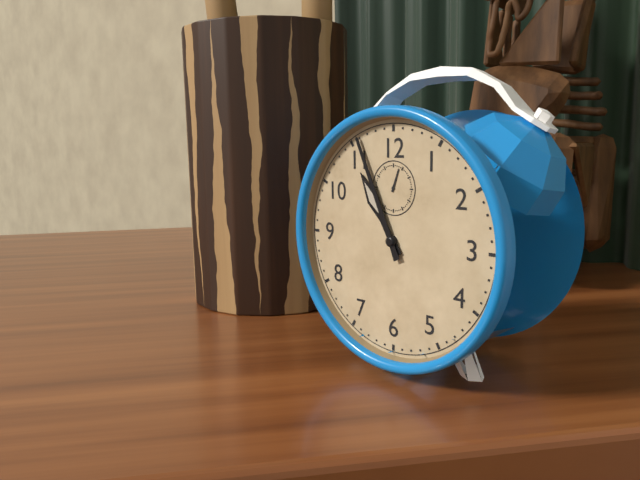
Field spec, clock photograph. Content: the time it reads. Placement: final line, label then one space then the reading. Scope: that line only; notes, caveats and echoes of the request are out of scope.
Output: 10:56
